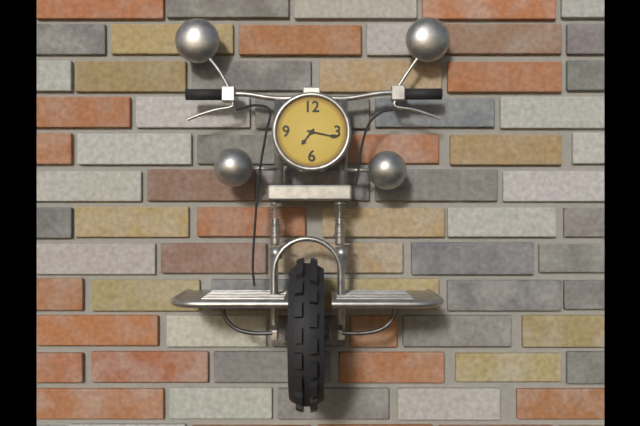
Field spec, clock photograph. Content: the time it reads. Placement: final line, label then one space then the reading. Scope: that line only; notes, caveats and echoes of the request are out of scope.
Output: 7:17
